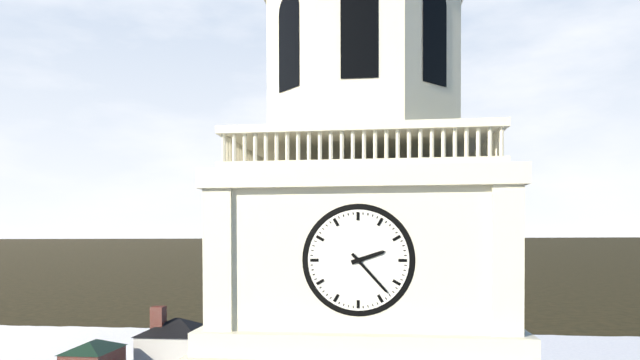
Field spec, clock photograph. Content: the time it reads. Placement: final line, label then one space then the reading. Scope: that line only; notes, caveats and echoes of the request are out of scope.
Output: 2:23
